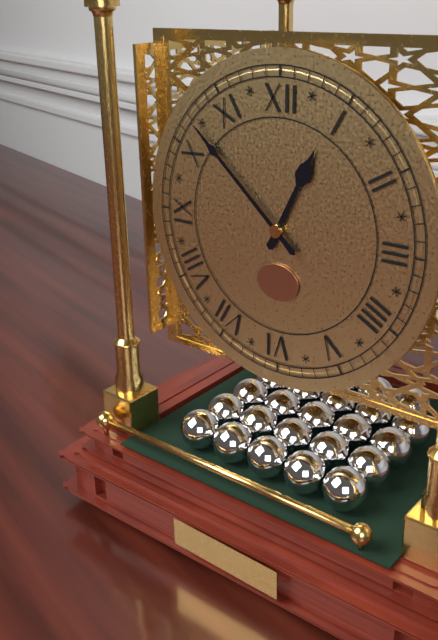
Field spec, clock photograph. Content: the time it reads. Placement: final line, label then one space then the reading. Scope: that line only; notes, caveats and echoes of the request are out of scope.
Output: 12:52
